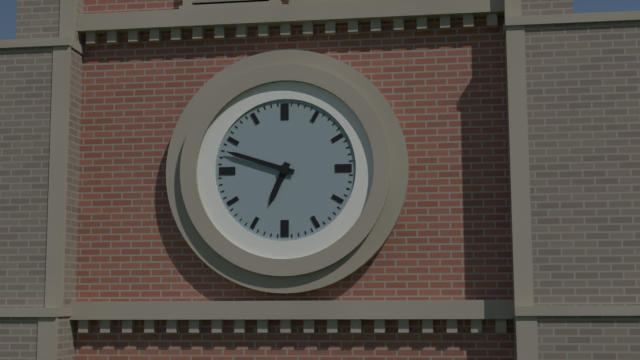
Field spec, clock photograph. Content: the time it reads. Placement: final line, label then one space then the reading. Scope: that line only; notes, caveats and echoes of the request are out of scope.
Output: 6:48
